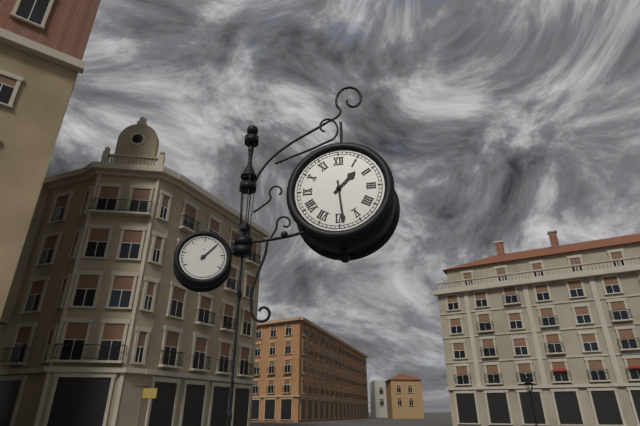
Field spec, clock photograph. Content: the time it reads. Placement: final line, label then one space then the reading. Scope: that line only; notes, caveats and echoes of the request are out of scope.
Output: 1:29
